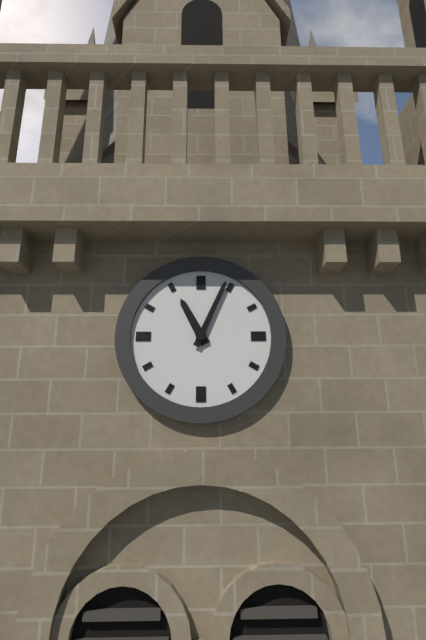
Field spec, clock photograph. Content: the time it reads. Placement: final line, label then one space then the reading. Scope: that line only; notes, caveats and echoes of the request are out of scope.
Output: 11:04
